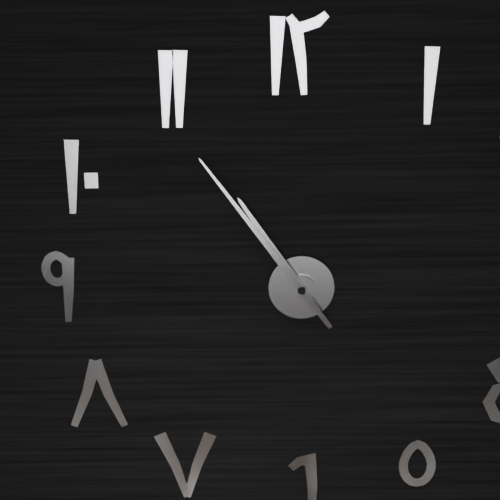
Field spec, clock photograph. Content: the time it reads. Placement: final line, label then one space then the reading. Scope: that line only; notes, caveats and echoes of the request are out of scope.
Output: 10:54
